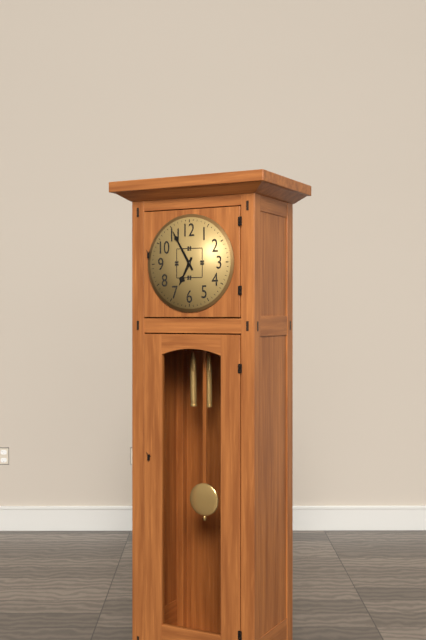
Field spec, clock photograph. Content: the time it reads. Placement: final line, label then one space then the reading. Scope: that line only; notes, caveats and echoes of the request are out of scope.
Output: 6:55
